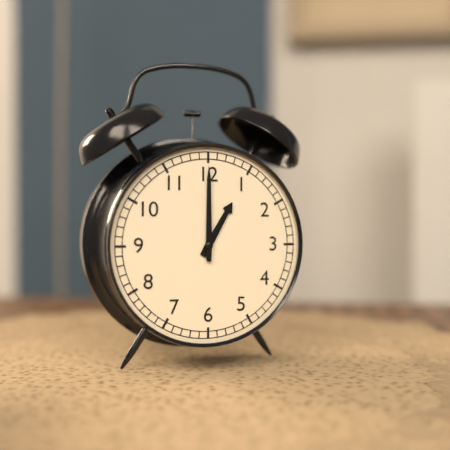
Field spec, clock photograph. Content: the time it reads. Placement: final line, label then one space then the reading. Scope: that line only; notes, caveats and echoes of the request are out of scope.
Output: 1:00
